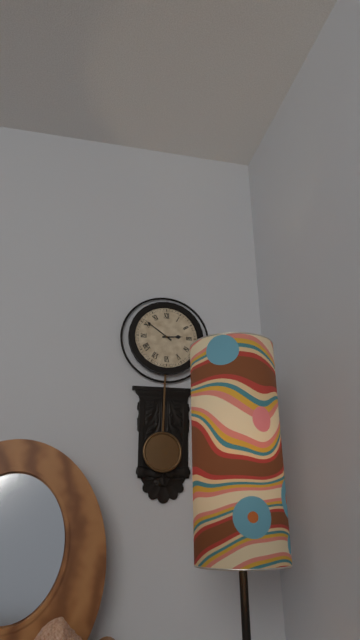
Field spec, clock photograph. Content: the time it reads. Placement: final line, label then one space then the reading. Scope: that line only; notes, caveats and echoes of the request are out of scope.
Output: 2:51
